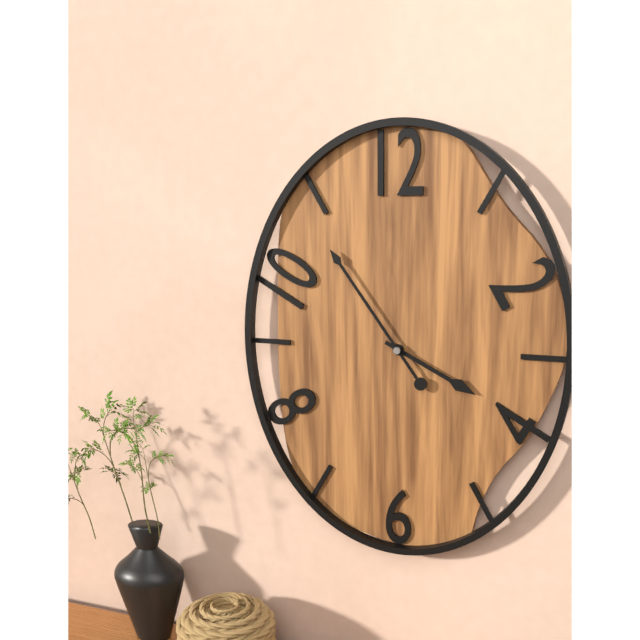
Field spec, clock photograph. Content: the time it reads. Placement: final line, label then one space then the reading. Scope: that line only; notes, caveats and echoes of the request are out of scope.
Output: 3:54
